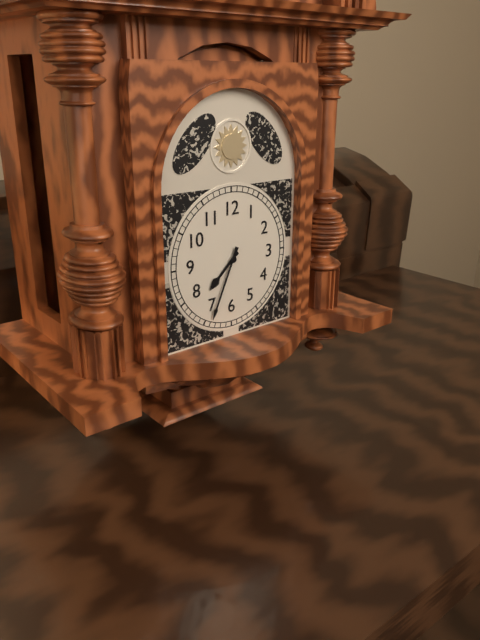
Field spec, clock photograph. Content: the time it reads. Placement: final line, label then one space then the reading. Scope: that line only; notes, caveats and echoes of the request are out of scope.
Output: 7:34
